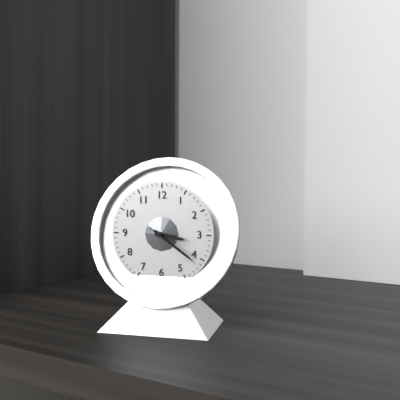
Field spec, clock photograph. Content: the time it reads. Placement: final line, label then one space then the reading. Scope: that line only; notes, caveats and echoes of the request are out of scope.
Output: 3:21:21
